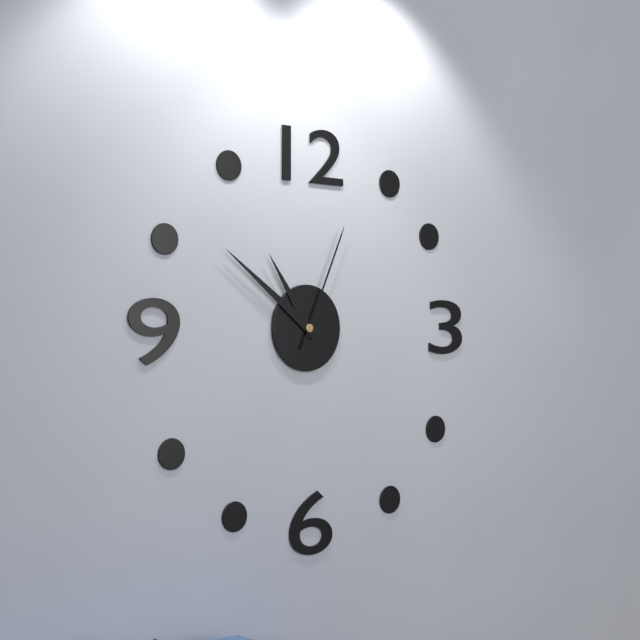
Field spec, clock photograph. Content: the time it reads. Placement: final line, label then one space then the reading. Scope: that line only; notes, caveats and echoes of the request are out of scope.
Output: 10:51:04
